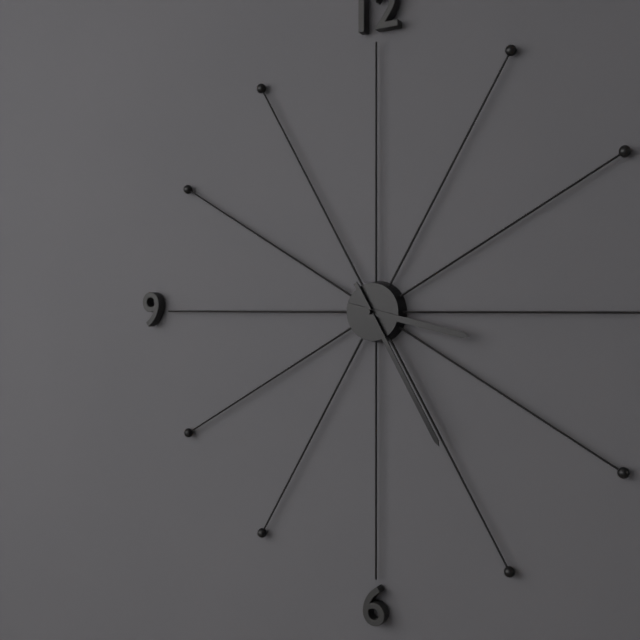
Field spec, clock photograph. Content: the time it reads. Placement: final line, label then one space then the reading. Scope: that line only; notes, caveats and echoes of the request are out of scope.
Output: 3:25
